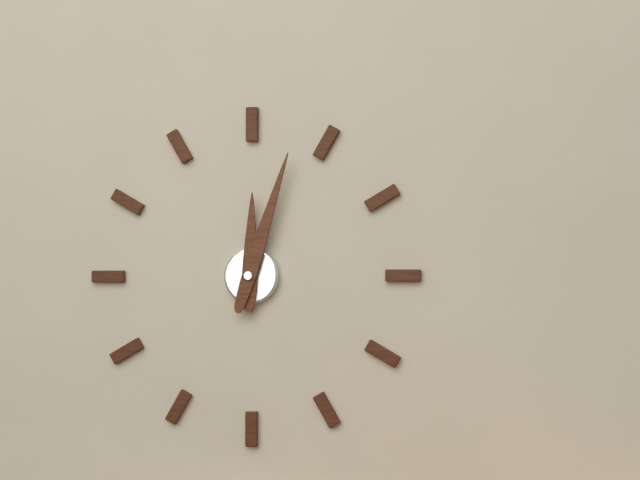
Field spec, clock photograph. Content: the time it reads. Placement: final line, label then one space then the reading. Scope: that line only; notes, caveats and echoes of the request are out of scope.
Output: 12:03
